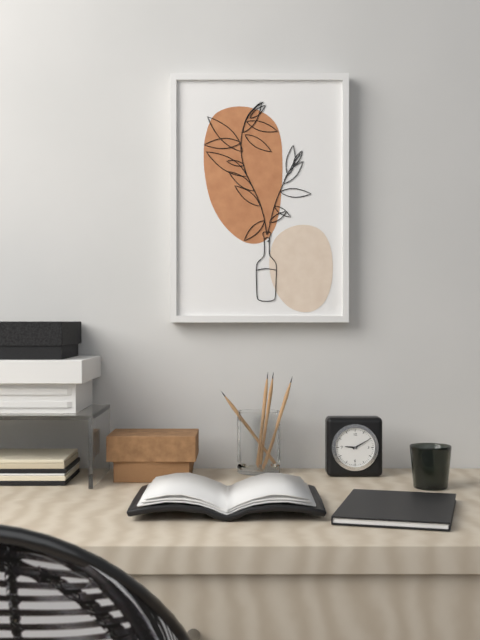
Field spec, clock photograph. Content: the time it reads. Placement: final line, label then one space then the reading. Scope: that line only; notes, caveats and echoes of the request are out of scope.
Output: 9:10
